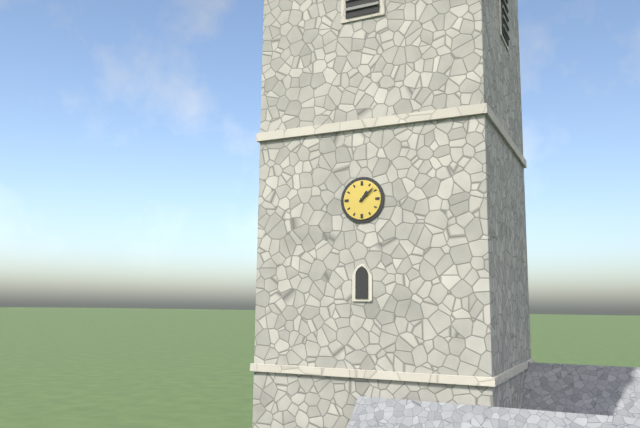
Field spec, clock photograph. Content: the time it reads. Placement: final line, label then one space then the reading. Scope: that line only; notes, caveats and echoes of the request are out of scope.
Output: 1:08
